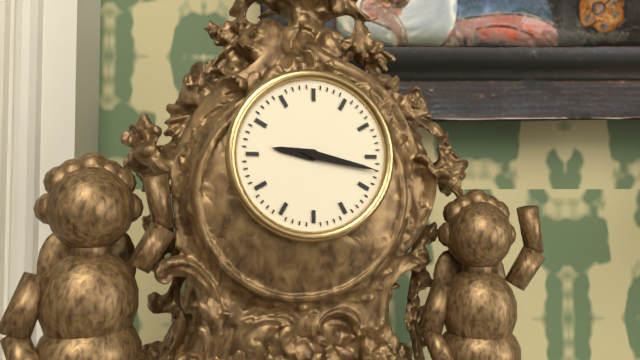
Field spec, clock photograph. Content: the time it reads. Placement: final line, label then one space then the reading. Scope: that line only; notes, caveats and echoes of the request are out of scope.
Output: 9:17
